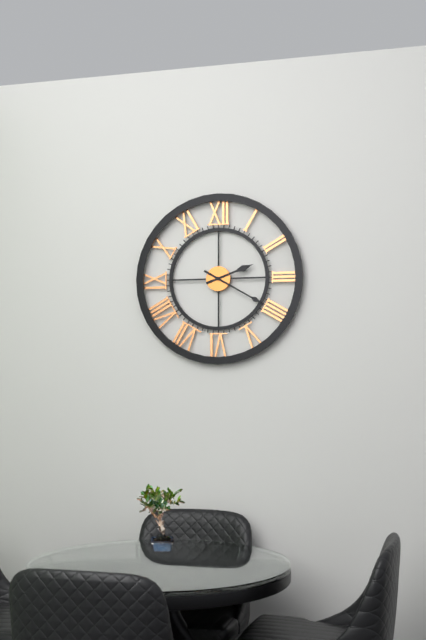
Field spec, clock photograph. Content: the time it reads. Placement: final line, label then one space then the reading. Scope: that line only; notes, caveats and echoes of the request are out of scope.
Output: 2:20
